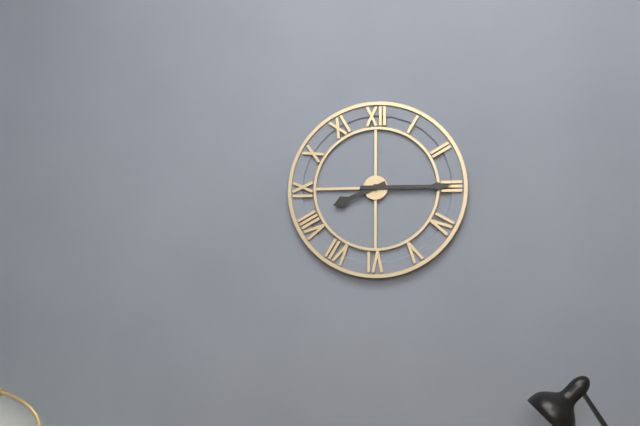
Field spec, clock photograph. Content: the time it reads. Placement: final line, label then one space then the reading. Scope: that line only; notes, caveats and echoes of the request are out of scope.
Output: 8:15
